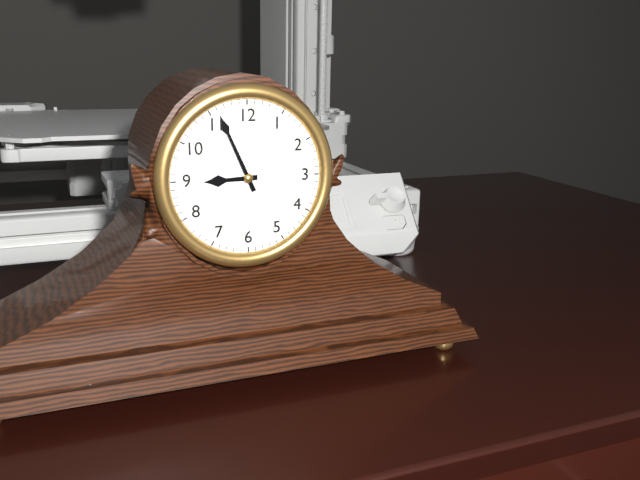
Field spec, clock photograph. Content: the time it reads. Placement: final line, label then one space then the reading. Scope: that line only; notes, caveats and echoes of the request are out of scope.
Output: 8:56
